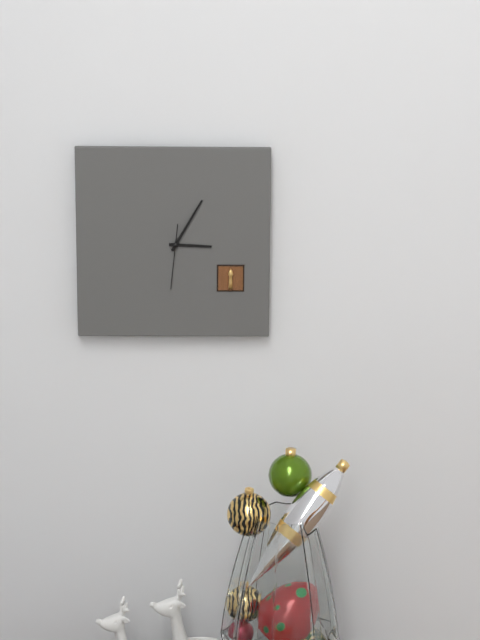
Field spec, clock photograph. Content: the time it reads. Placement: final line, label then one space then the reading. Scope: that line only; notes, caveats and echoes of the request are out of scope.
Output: 3:05:31
